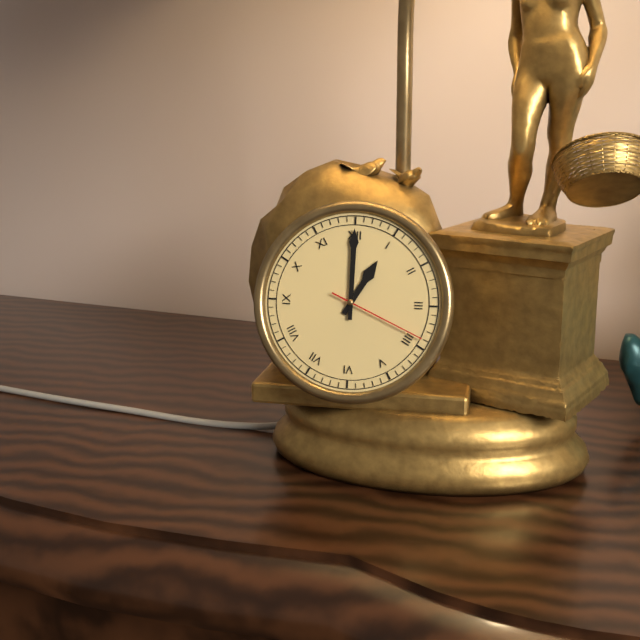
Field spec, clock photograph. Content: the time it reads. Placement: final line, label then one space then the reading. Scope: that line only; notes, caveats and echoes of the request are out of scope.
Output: 1:00:19
